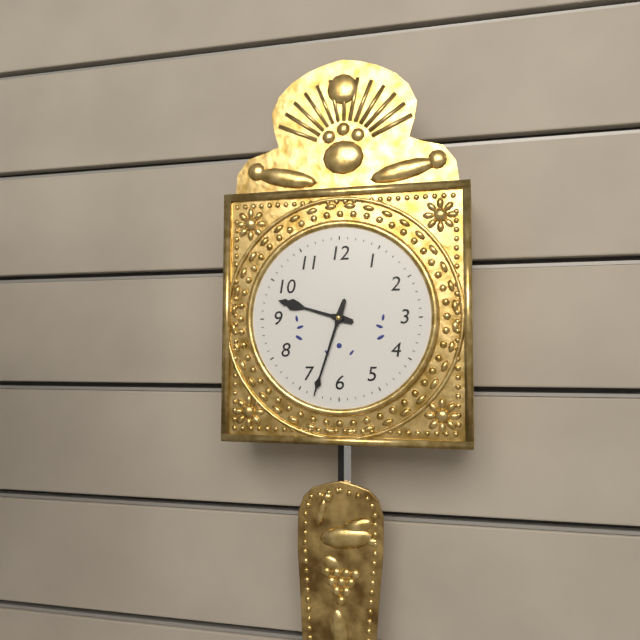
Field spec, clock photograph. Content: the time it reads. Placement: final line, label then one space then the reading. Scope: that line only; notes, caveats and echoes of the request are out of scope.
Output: 9:33
